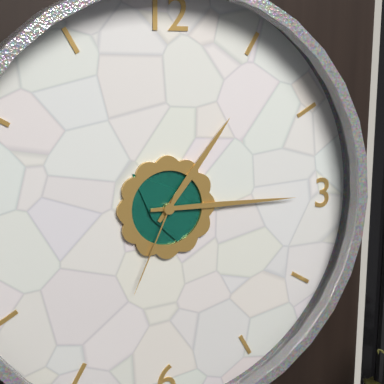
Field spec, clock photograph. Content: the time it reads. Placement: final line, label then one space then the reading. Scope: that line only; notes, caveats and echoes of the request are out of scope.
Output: 1:15:34
